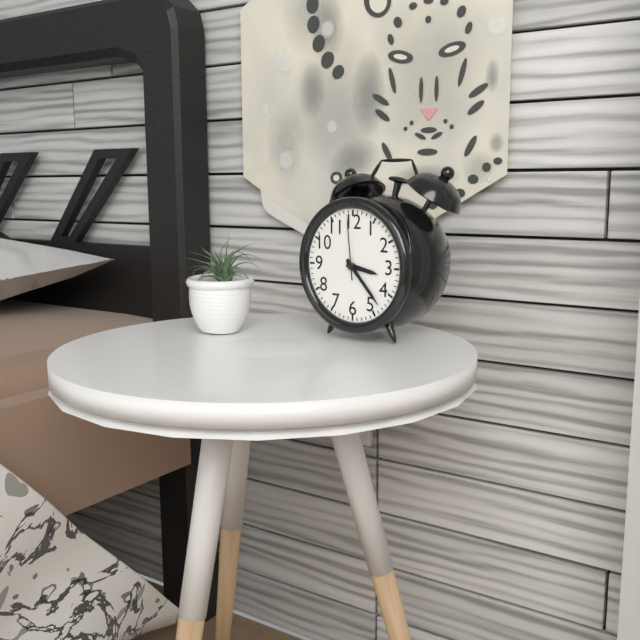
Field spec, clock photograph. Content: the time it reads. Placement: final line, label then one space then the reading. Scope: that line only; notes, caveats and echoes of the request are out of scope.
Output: 3:23:59
